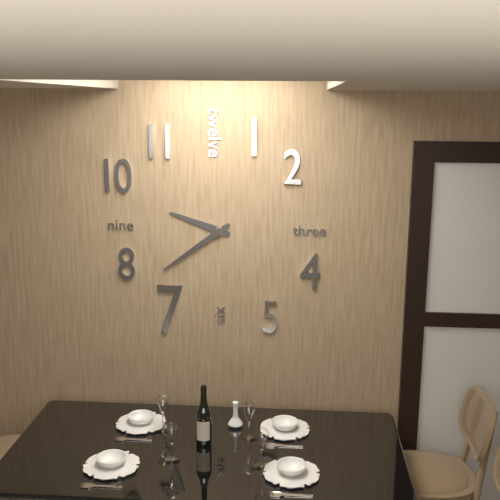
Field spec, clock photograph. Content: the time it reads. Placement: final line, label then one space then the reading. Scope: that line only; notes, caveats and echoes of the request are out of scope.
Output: 9:39
